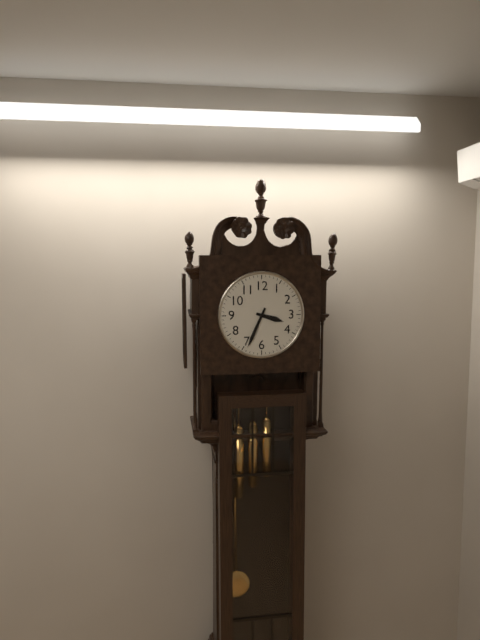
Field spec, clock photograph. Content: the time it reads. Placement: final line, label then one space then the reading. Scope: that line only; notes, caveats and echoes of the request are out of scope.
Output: 3:34
